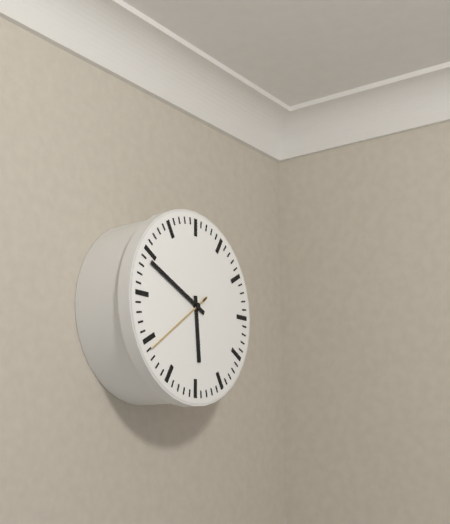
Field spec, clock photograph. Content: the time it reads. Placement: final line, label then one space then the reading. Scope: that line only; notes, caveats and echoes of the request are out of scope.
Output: 5:49:39
